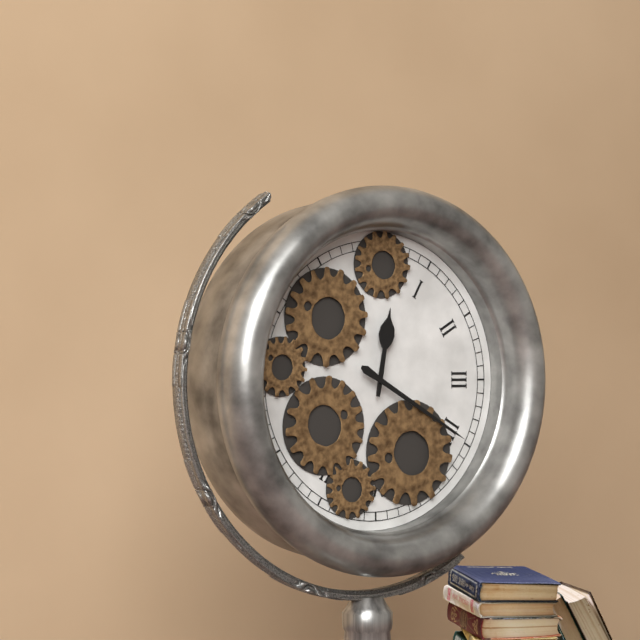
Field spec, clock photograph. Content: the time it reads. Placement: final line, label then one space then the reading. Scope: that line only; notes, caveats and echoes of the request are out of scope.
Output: 12:20
